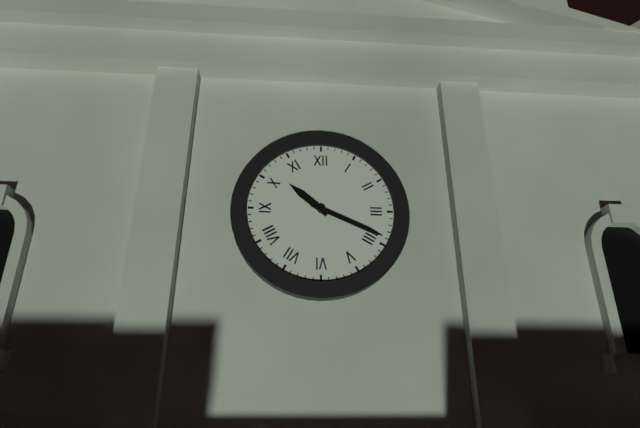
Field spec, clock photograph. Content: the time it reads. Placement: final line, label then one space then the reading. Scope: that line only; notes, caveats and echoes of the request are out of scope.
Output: 10:19
